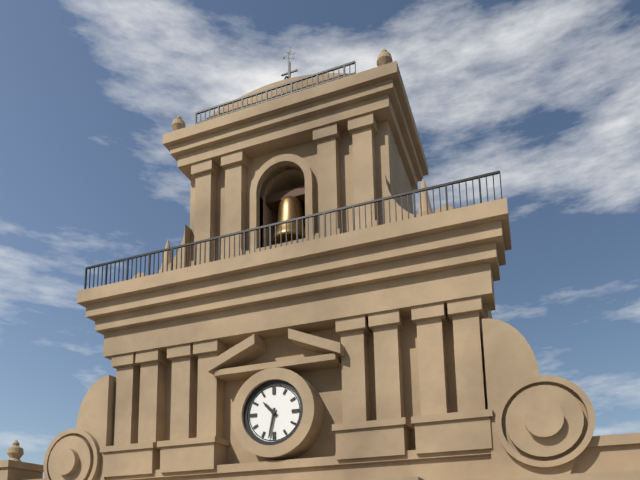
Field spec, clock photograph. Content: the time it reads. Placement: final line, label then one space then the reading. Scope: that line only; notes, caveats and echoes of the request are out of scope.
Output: 10:32
